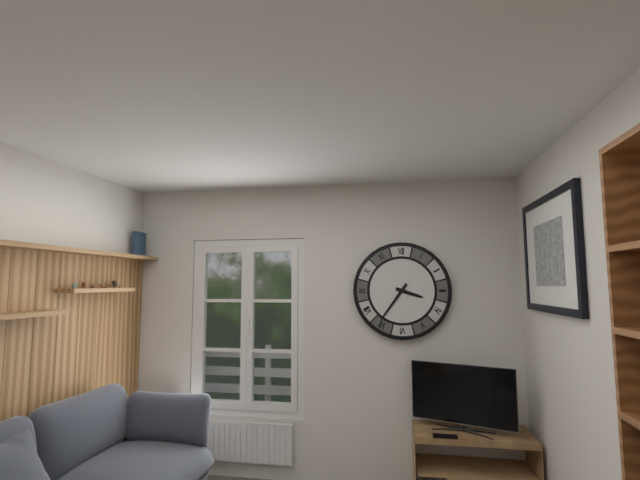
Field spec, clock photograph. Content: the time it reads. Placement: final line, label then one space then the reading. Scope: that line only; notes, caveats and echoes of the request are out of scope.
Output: 3:36
